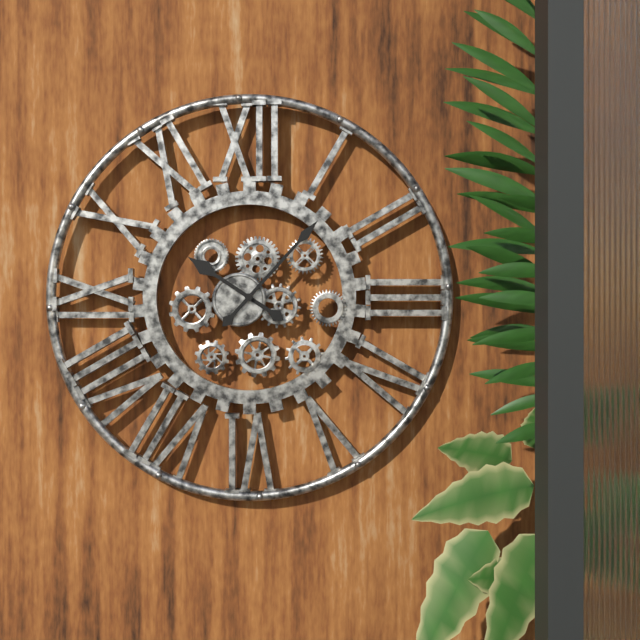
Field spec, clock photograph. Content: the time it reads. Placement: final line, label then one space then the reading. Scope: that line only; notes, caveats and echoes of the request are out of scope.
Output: 10:07
